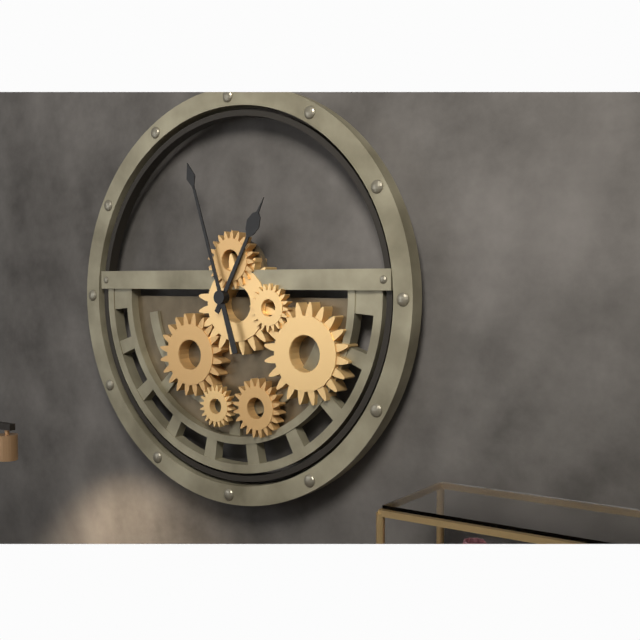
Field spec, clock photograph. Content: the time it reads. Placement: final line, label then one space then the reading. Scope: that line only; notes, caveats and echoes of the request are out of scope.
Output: 12:57
